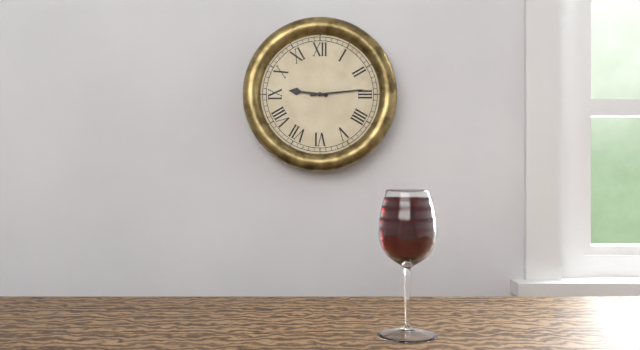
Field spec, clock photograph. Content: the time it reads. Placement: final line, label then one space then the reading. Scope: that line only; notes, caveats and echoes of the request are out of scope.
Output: 9:14
